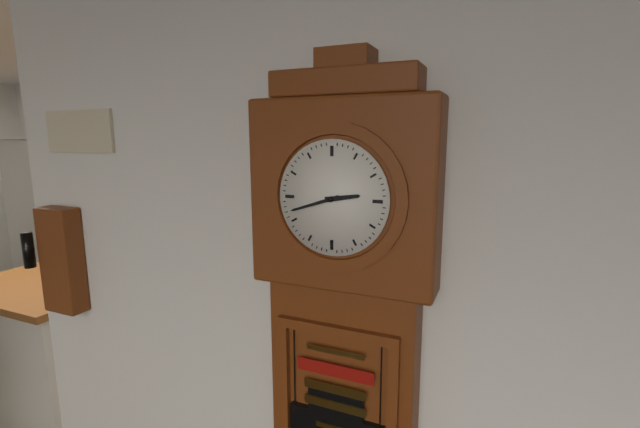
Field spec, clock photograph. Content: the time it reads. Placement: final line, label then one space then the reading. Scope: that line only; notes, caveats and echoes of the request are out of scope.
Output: 2:42
